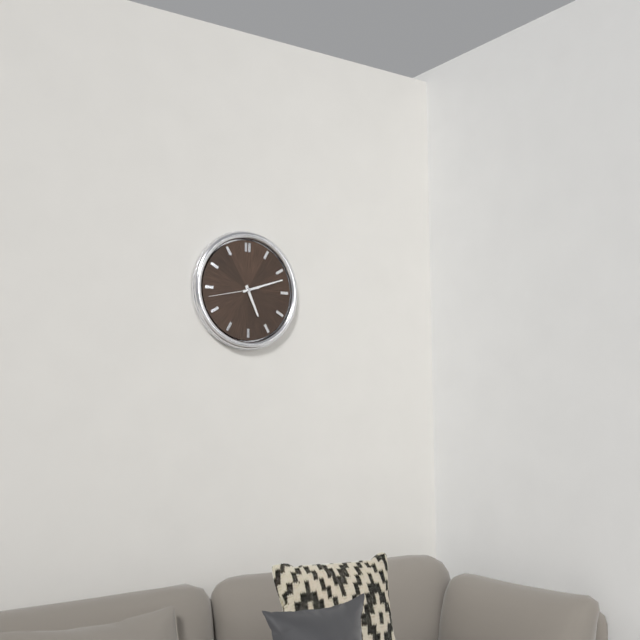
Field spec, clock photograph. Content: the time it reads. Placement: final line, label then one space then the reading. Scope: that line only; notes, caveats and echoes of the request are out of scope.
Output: 5:12
